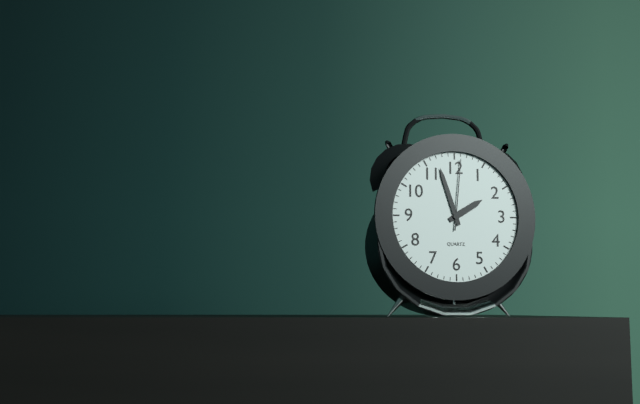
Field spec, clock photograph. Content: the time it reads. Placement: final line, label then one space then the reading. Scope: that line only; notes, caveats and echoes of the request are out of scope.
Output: 1:57:01
